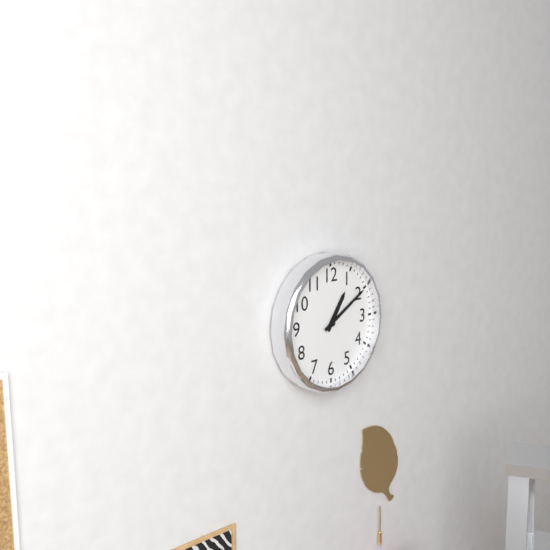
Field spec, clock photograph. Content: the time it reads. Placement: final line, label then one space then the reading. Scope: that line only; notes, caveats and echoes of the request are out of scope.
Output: 1:10
